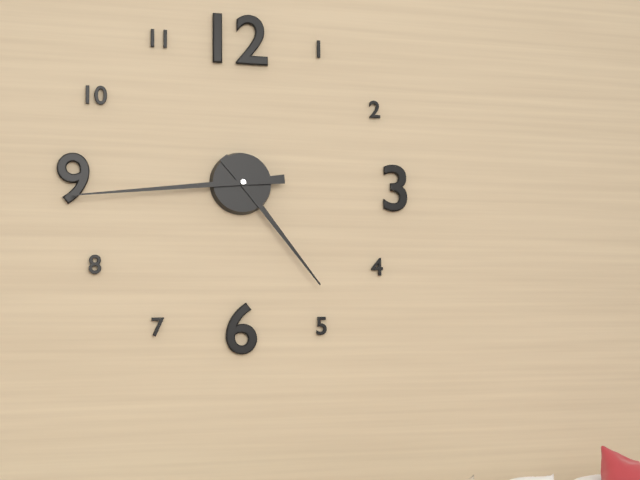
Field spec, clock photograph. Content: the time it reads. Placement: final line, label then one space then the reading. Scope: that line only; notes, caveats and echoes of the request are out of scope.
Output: 4:44
